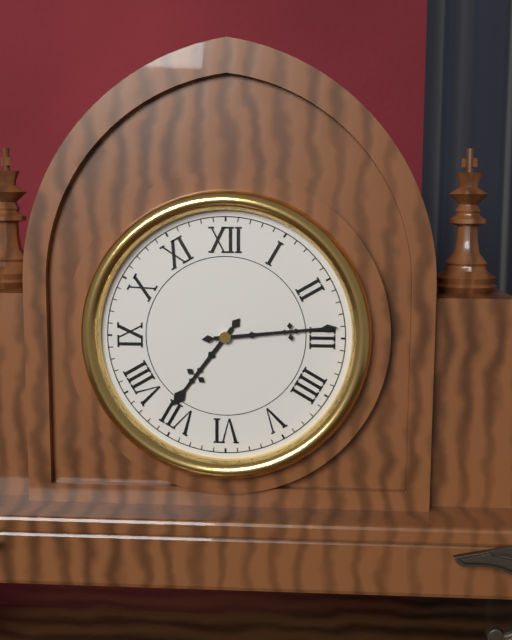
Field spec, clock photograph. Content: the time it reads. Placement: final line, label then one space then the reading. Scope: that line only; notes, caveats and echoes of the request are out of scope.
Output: 7:14
